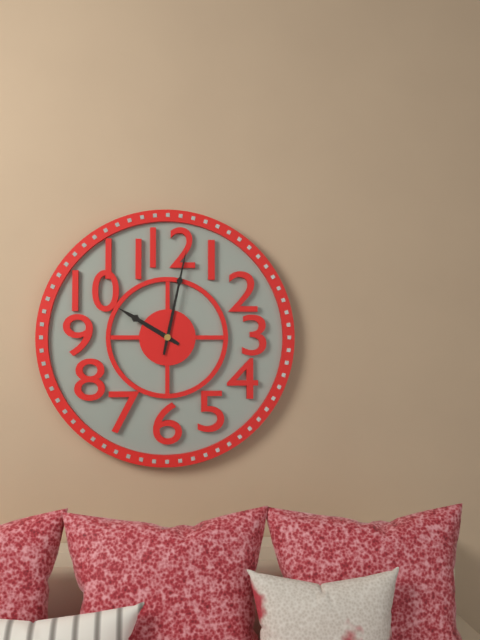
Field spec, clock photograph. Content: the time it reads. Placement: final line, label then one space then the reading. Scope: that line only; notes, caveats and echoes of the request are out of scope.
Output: 10:02
